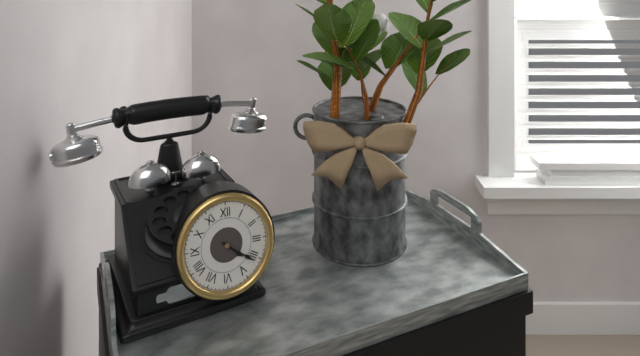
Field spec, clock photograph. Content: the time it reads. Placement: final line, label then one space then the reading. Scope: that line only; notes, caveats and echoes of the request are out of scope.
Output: 4:21
